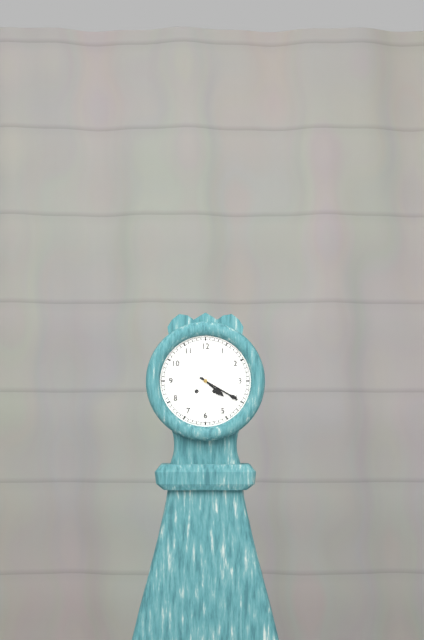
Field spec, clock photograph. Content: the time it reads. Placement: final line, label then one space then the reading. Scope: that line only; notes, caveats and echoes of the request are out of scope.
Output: 4:20
